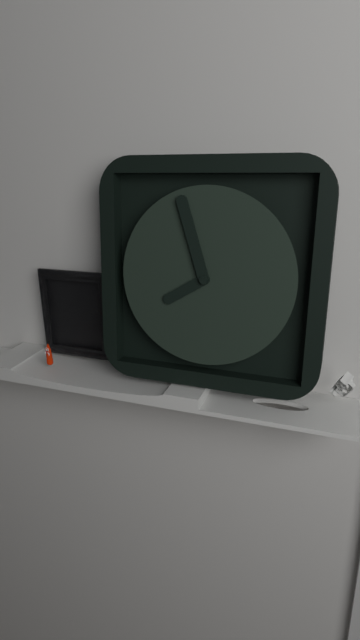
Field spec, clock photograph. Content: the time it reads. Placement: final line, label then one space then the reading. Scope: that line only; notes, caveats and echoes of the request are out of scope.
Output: 7:57
